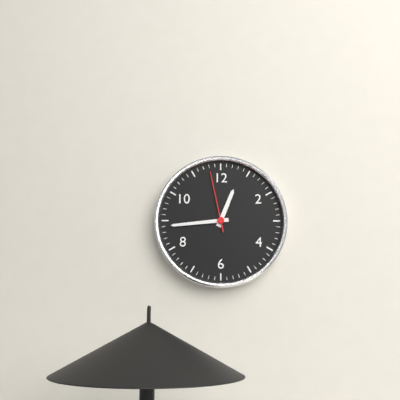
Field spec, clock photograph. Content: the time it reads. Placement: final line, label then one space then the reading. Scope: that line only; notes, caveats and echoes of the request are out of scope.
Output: 12:44:58
